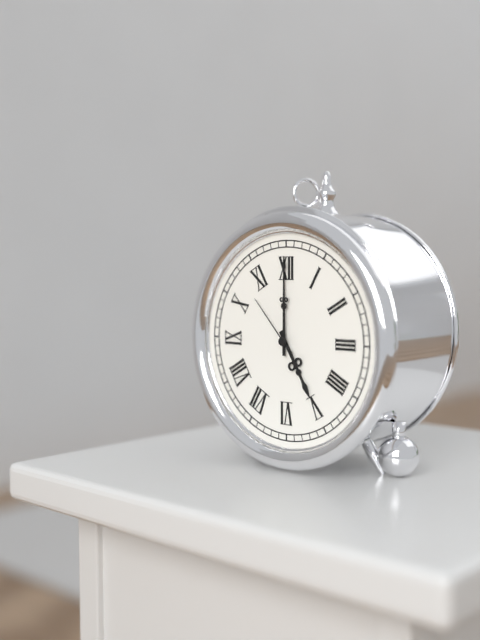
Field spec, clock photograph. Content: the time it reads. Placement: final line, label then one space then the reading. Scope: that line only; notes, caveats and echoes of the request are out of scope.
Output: 5:00:53
